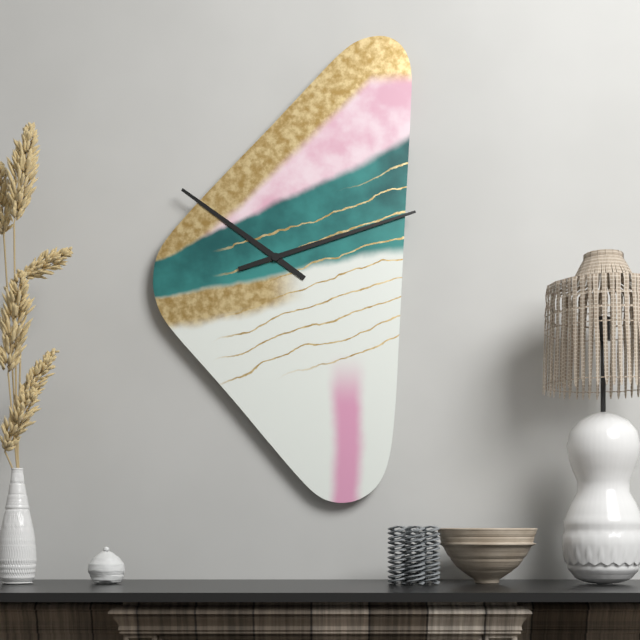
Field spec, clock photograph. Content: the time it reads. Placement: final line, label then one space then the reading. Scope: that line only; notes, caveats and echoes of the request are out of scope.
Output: 10:12
